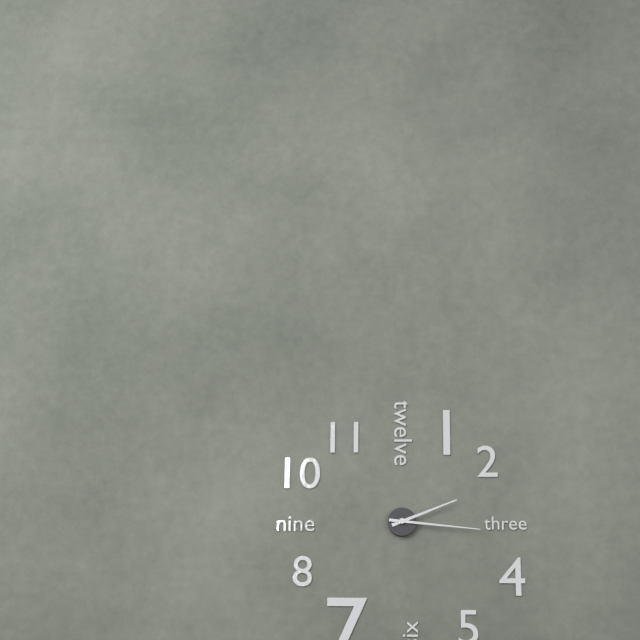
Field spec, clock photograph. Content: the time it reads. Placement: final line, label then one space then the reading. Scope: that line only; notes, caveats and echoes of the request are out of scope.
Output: 2:16
